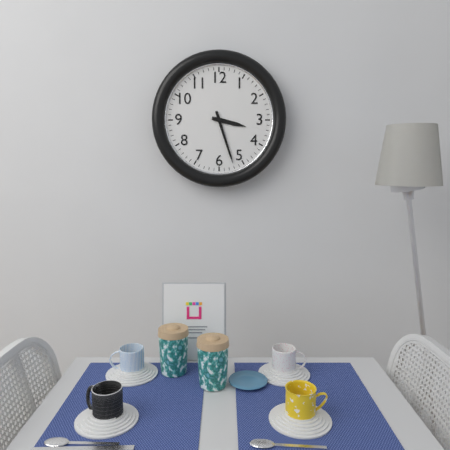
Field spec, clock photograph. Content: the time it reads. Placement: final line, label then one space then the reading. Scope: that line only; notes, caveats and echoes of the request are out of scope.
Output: 3:27
